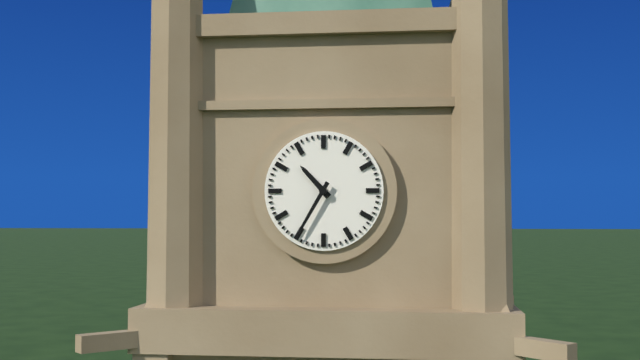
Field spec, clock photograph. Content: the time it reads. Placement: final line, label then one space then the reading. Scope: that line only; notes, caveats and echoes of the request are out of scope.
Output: 10:35
